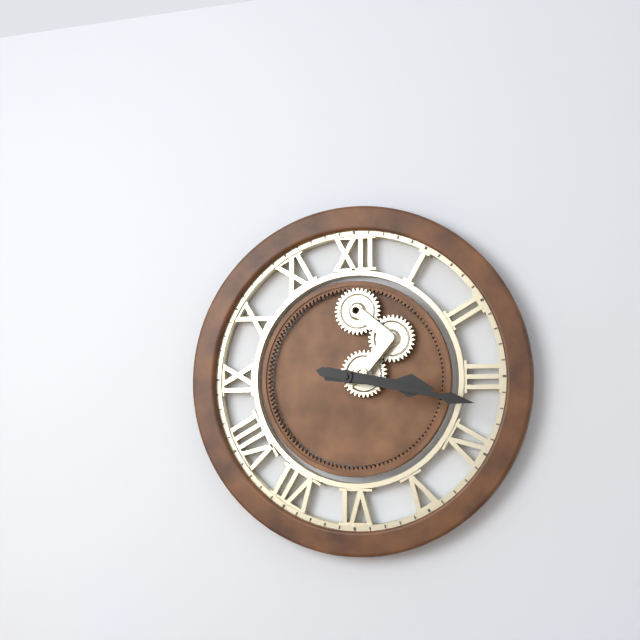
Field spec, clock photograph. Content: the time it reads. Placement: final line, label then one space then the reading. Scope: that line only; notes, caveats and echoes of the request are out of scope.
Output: 3:17
